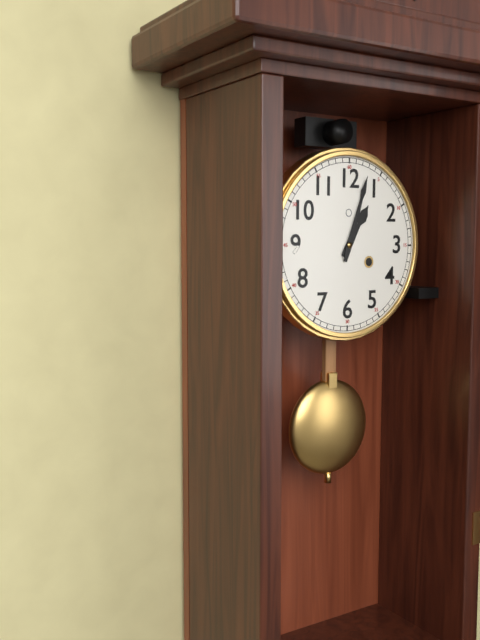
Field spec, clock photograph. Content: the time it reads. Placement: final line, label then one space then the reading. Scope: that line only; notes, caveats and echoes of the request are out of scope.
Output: 1:03
